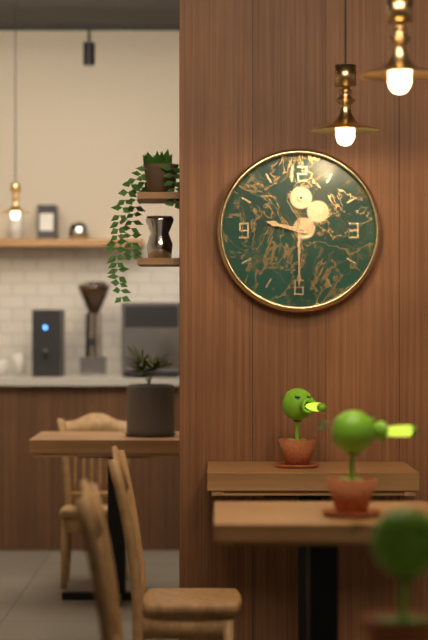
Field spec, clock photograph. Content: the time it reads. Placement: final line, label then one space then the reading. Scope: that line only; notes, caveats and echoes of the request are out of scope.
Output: 9:30
